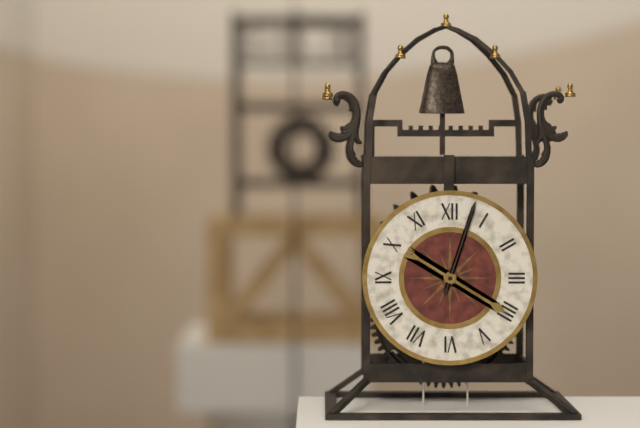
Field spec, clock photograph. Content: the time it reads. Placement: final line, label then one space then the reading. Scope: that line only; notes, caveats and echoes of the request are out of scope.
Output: 4:03
